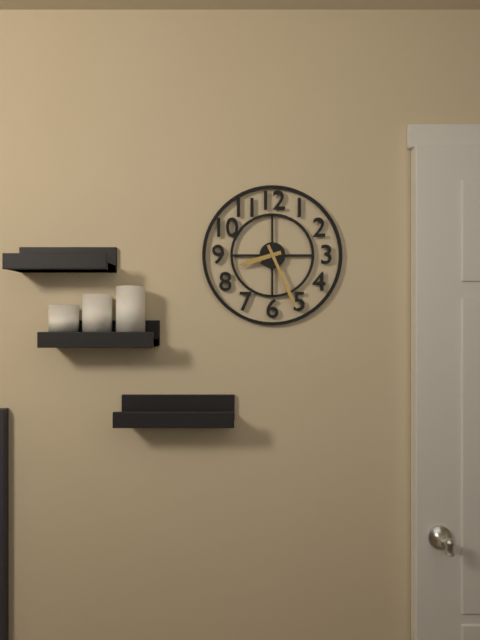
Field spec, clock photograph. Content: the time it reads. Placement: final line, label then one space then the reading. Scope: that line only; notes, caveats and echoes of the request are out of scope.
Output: 8:26
